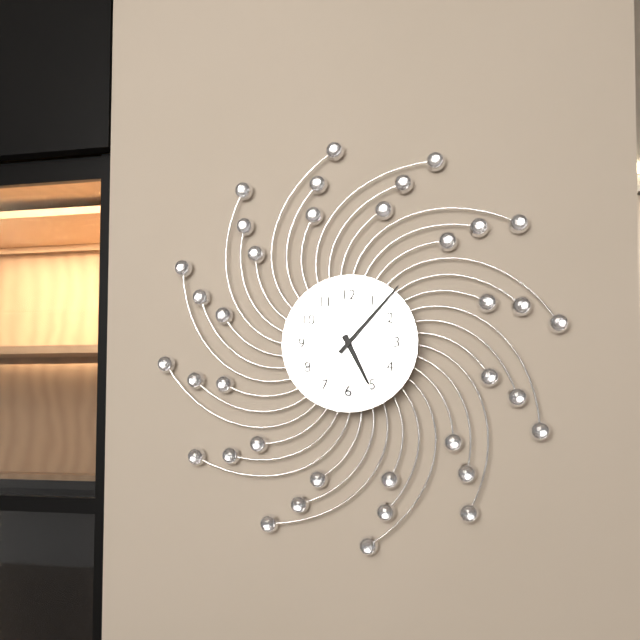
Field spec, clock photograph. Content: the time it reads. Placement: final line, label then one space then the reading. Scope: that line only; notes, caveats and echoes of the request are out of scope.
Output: 5:07
